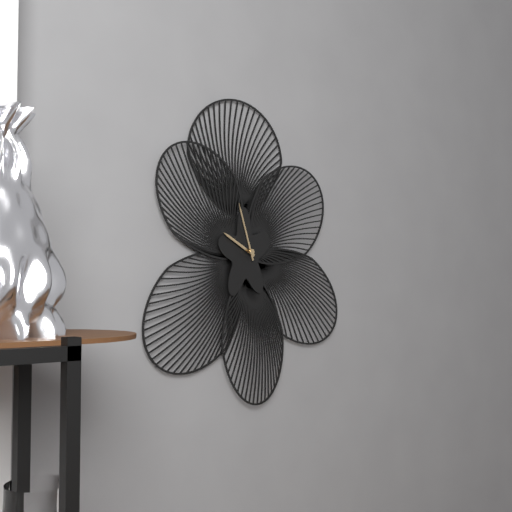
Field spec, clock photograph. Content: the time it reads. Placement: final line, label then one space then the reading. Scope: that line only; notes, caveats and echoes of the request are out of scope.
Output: 9:57
